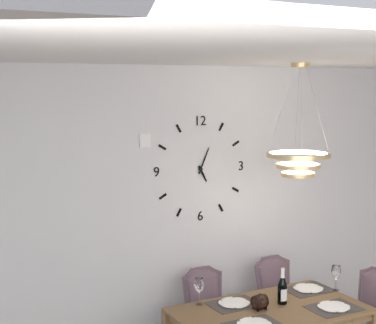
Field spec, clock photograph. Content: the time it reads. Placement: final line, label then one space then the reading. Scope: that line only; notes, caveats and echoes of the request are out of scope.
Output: 5:04
